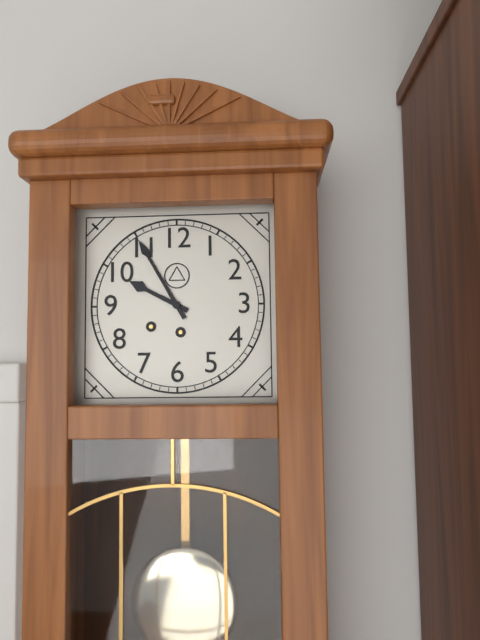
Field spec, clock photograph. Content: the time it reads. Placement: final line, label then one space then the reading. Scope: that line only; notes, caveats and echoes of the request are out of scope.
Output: 9:55
